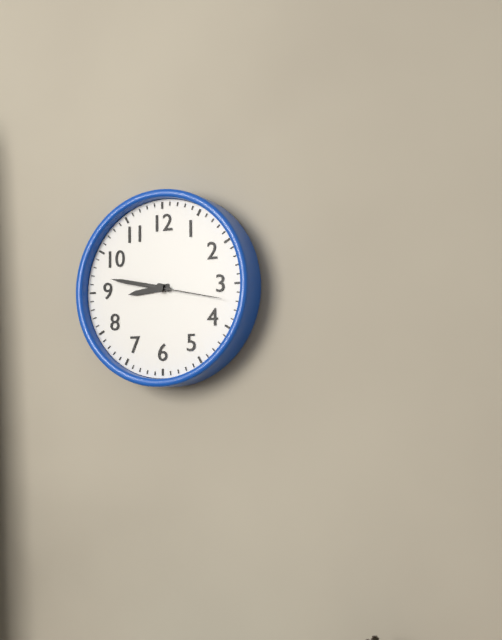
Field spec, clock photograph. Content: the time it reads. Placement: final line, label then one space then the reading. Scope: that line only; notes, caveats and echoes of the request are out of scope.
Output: 8:47:17
